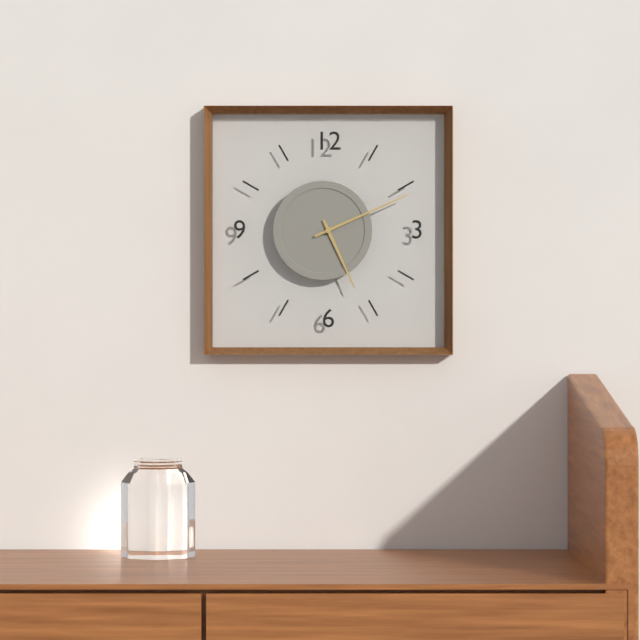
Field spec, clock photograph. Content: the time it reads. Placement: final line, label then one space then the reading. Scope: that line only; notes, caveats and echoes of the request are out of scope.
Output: 5:11
